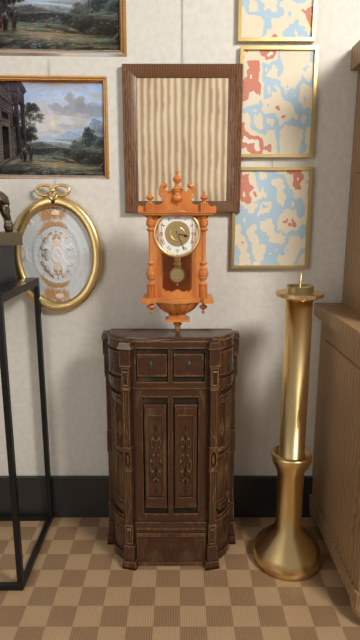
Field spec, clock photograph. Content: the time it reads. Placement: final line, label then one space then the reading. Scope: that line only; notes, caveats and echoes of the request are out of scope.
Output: 3:26
